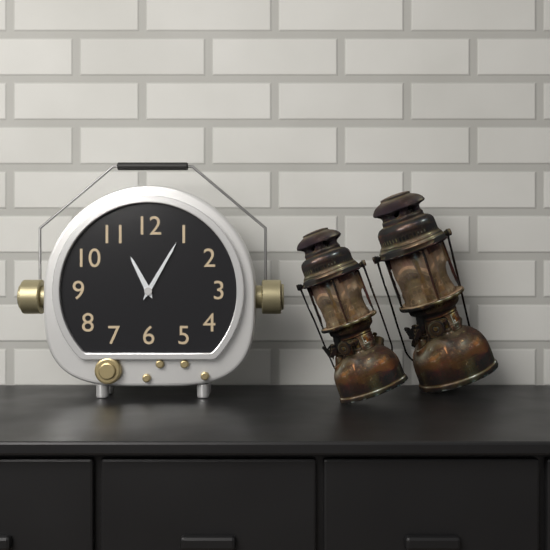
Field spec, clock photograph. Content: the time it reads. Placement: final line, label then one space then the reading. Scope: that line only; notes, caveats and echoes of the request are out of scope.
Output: 11:05
